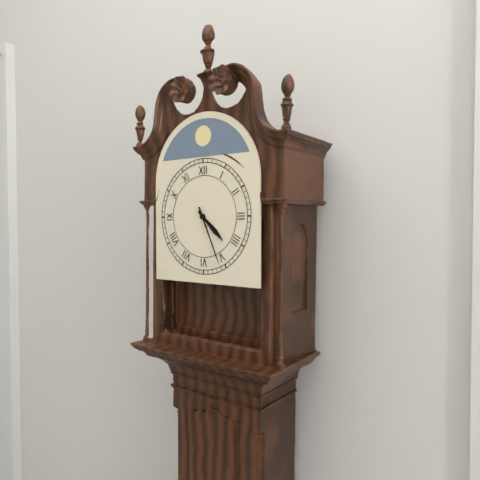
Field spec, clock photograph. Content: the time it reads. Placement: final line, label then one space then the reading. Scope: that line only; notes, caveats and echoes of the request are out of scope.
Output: 4:26
